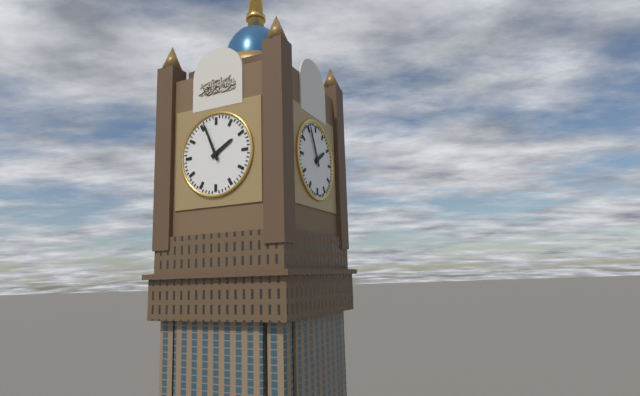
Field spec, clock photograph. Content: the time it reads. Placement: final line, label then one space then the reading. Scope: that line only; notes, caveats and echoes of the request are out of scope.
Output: 1:56
